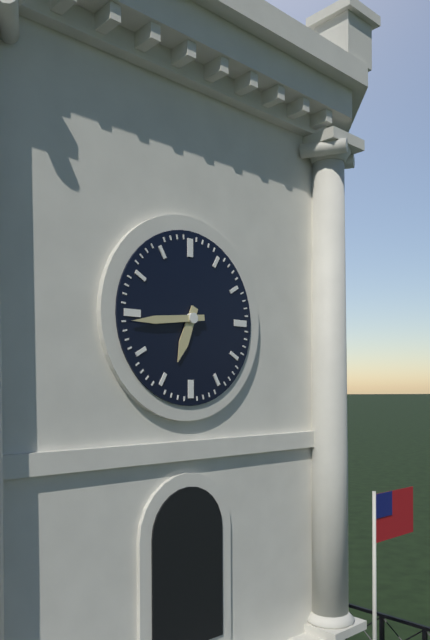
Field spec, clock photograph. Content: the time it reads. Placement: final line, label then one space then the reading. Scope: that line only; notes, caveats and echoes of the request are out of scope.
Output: 6:44
